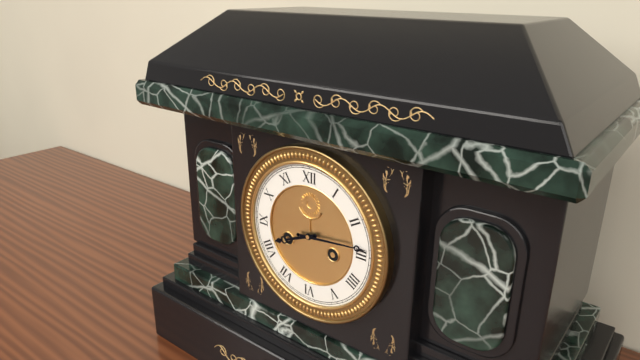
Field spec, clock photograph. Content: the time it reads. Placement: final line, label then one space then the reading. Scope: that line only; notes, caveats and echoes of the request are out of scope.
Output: 8:14
